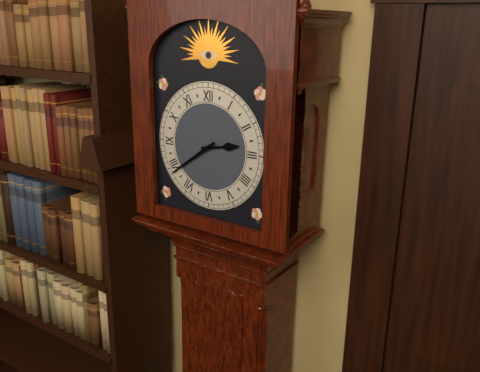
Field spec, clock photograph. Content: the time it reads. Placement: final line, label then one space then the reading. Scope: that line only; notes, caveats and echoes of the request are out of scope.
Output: 2:39
